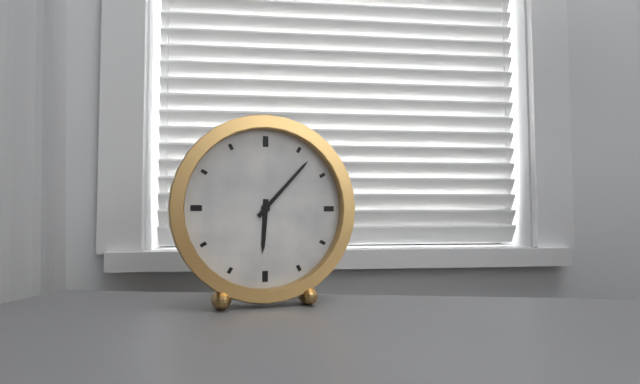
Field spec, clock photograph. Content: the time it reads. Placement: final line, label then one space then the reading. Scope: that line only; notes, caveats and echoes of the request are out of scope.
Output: 6:07
